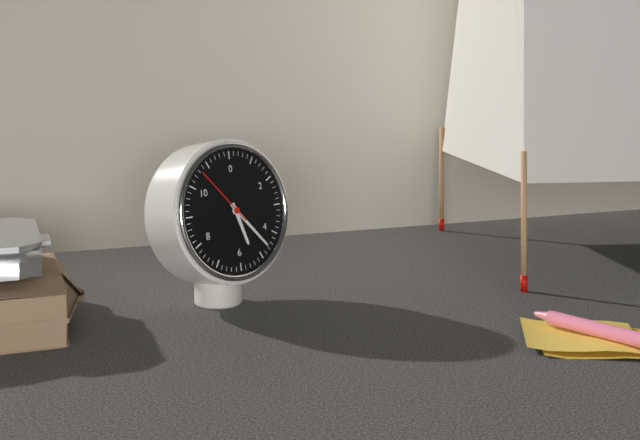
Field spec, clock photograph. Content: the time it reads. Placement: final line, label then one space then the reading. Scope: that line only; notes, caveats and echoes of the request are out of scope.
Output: 5:23:53
